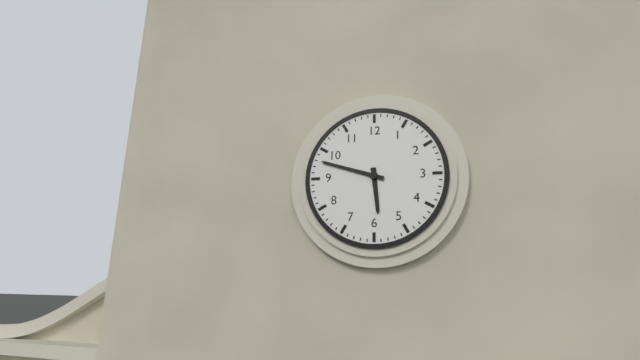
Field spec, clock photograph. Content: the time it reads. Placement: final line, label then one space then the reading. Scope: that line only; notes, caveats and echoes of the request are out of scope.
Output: 5:48
